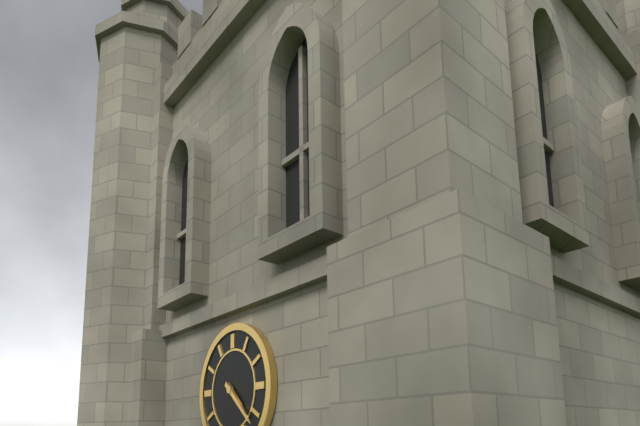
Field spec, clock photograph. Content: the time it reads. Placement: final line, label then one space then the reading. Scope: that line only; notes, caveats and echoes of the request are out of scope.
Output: 4:22
